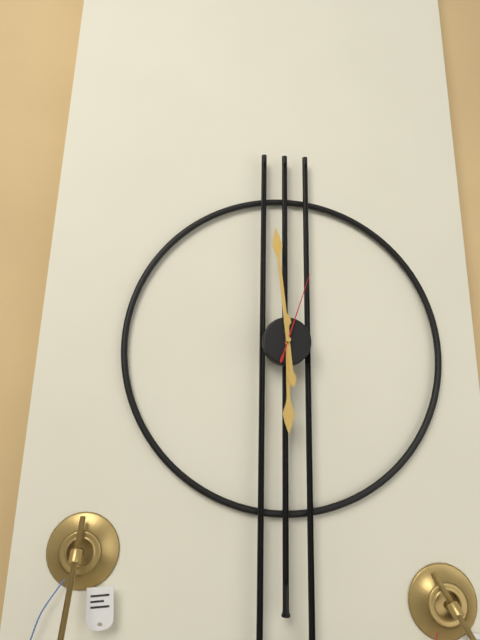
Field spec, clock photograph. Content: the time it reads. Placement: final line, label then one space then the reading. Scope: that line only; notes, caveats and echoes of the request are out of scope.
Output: 5:59:03
